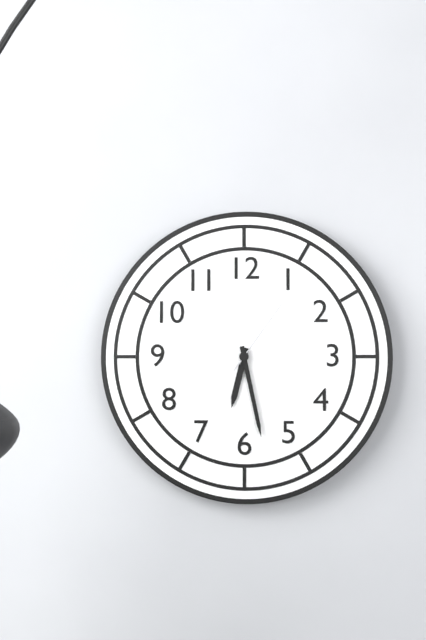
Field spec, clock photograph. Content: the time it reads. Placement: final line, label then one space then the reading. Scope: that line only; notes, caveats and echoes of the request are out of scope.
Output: 6:28:06
